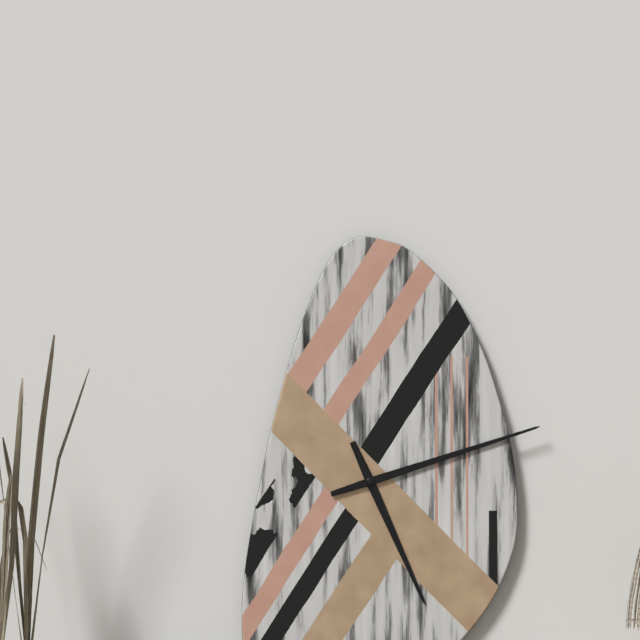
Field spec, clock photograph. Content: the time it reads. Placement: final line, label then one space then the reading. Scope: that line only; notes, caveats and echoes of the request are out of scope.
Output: 5:12
